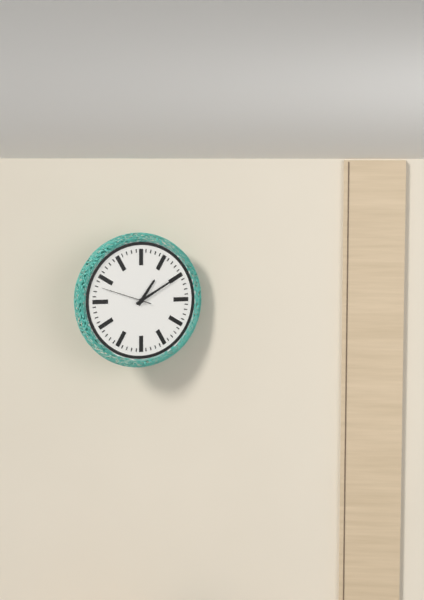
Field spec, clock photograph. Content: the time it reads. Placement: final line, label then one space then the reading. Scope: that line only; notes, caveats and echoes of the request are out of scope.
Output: 1:10:48
